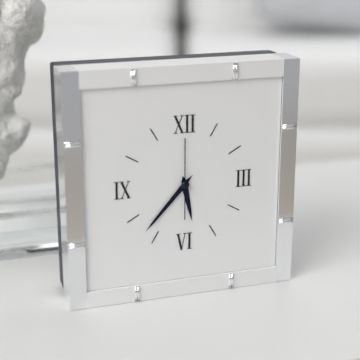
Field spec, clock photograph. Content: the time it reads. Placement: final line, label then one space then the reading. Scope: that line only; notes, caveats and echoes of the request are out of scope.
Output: 5:37:00
